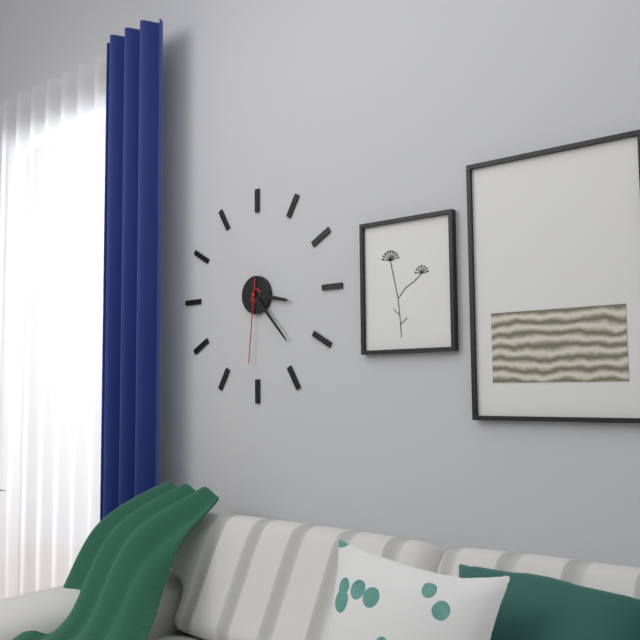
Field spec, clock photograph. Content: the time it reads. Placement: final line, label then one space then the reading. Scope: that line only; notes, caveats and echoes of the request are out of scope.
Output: 3:23:31
